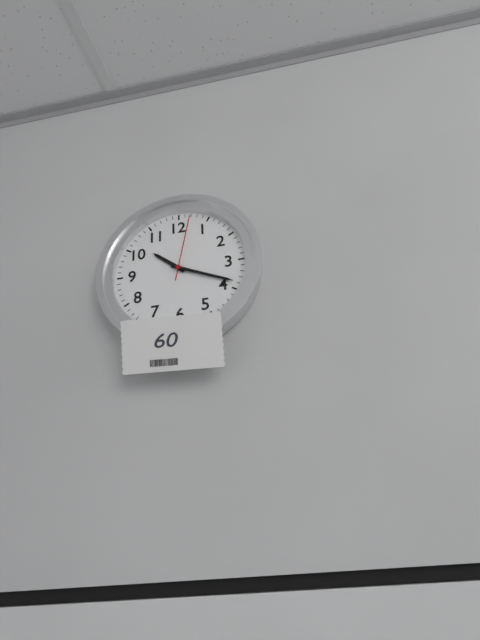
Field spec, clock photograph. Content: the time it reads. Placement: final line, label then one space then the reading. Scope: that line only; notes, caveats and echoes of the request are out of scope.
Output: 10:19:02
